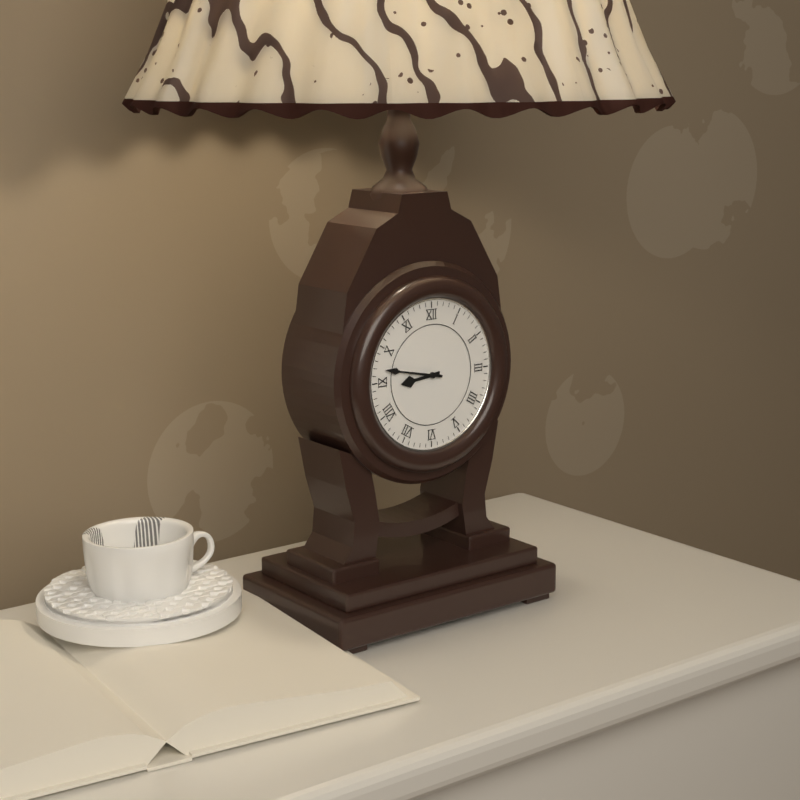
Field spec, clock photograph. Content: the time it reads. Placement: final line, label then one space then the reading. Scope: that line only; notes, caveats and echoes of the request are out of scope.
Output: 8:47
